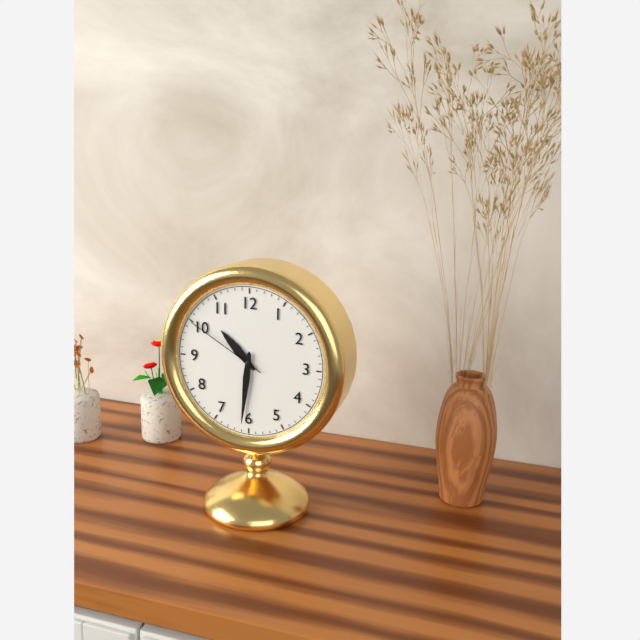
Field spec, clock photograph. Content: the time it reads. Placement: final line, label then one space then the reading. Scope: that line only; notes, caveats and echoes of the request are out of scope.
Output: 10:31:50
